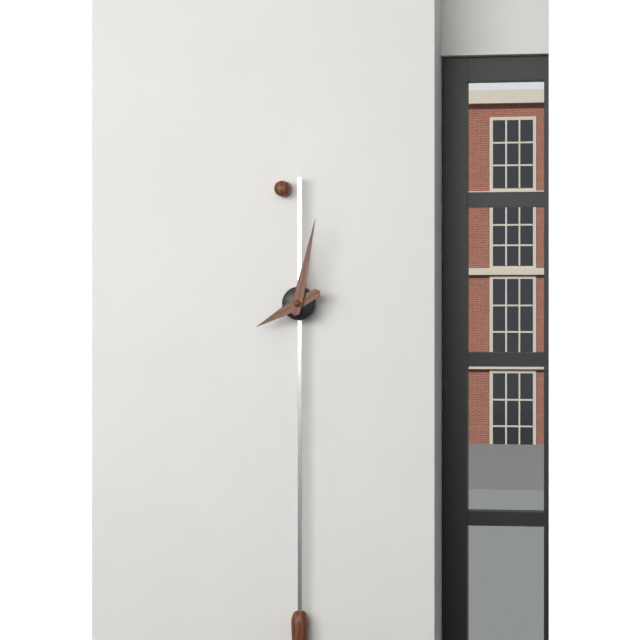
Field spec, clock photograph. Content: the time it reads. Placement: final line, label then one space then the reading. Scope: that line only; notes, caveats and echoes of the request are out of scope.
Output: 8:02
